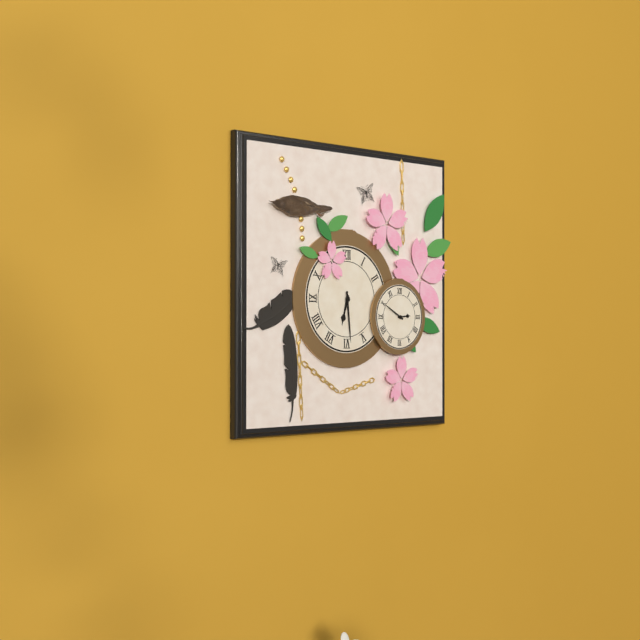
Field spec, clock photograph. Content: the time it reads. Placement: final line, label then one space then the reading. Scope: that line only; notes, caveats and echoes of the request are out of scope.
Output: 6:29
